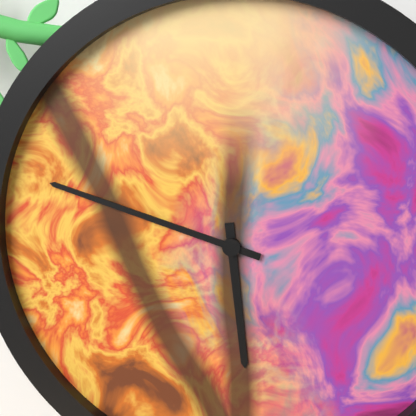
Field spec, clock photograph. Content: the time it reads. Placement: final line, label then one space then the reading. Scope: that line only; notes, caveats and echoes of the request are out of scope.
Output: 5:48
